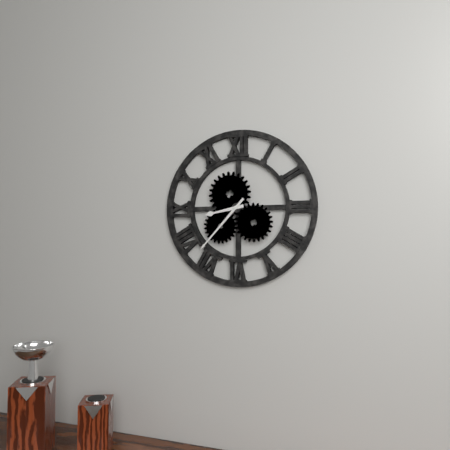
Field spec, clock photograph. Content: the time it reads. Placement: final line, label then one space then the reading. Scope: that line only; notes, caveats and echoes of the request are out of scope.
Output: 8:37
